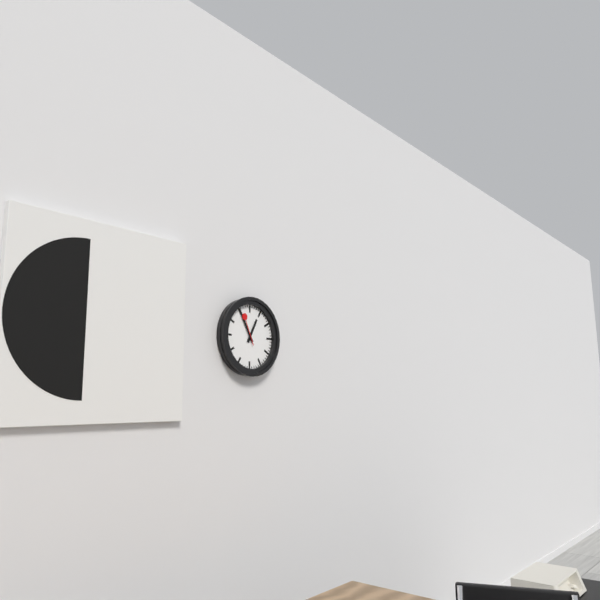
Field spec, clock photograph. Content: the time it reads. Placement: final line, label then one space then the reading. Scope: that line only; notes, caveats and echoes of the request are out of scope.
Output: 12:55
